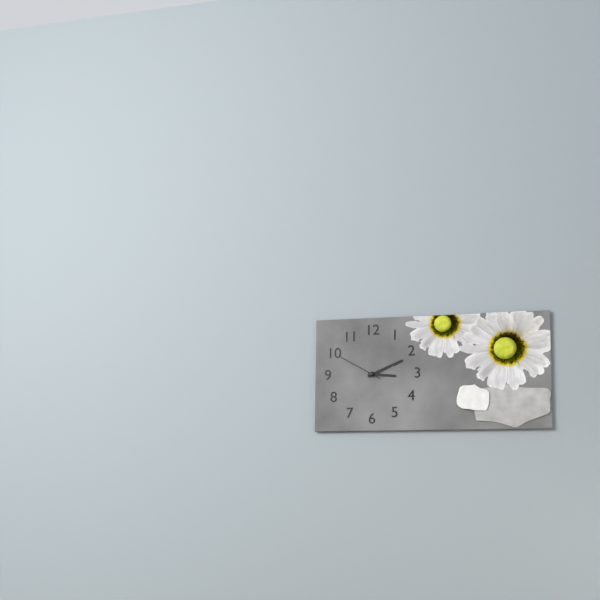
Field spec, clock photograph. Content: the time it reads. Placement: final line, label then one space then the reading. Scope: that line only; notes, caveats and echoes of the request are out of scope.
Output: 3:11
